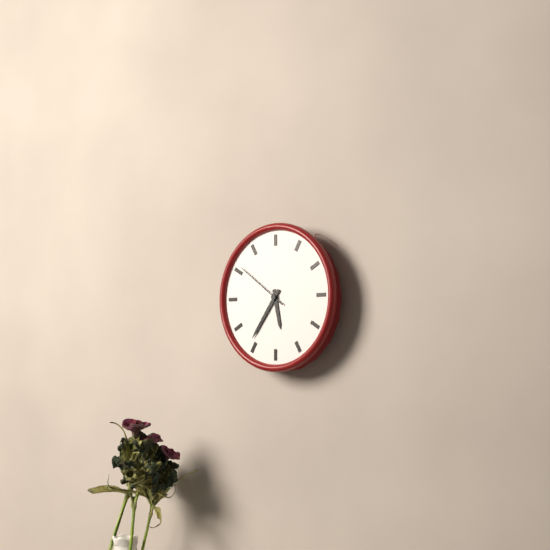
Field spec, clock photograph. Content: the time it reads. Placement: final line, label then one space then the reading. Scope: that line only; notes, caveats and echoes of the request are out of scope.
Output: 5:36:51
